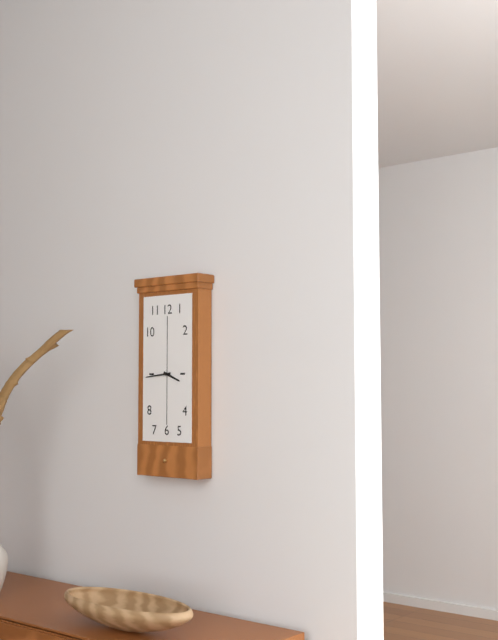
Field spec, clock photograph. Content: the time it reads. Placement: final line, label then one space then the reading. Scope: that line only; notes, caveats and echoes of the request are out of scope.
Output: 3:44
